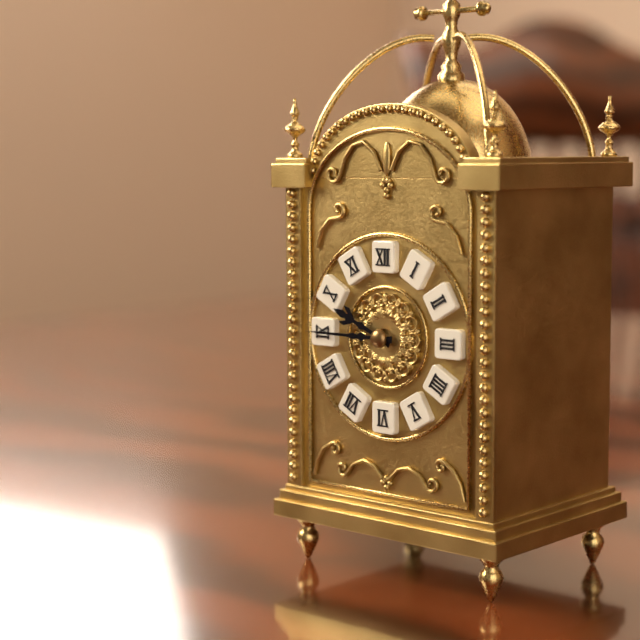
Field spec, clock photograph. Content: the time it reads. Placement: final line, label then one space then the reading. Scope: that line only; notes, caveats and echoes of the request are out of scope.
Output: 9:45
